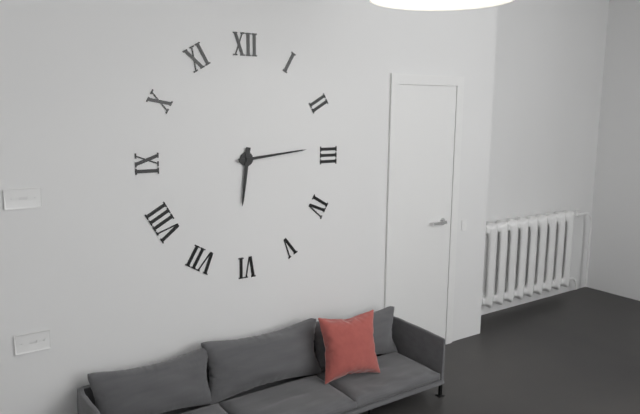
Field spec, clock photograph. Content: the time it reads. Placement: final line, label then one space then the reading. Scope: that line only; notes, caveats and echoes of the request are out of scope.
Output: 6:14
